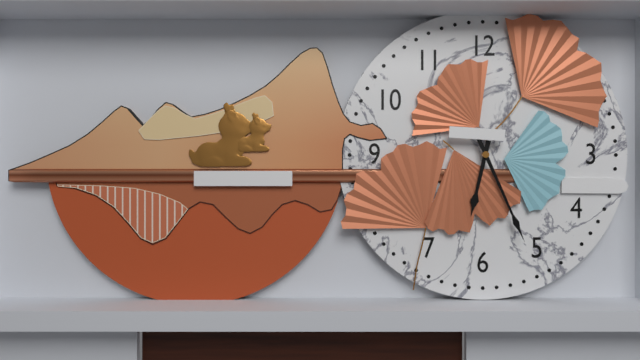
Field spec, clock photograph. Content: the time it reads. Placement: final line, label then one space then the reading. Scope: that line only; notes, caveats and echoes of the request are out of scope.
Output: 6:26
